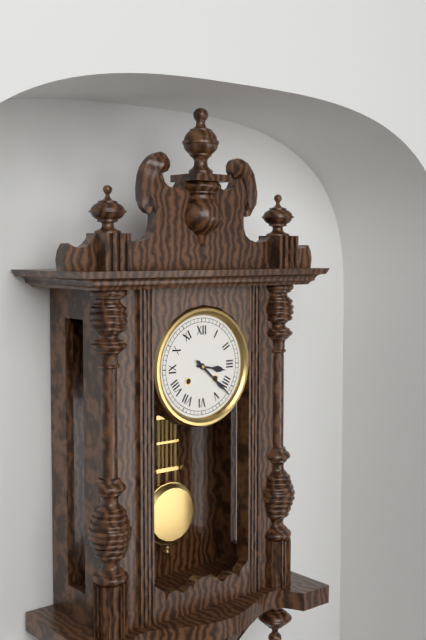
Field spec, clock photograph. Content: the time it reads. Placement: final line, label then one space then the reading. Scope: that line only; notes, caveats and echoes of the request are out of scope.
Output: 3:22
